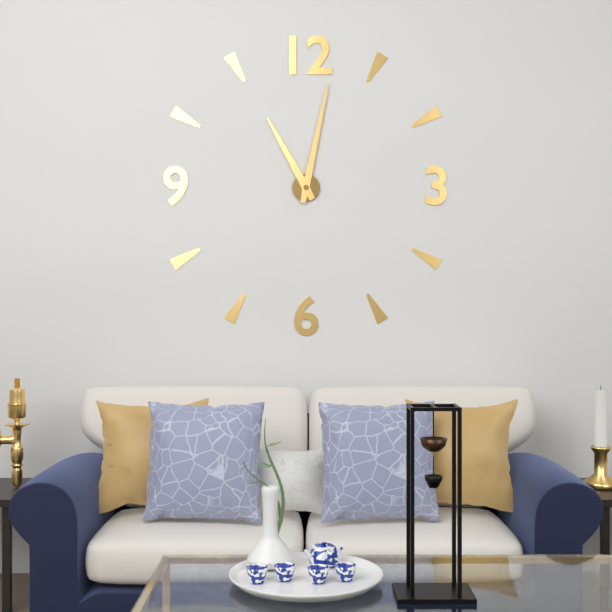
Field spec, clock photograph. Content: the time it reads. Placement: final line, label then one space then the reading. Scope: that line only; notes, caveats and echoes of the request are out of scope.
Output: 11:02
